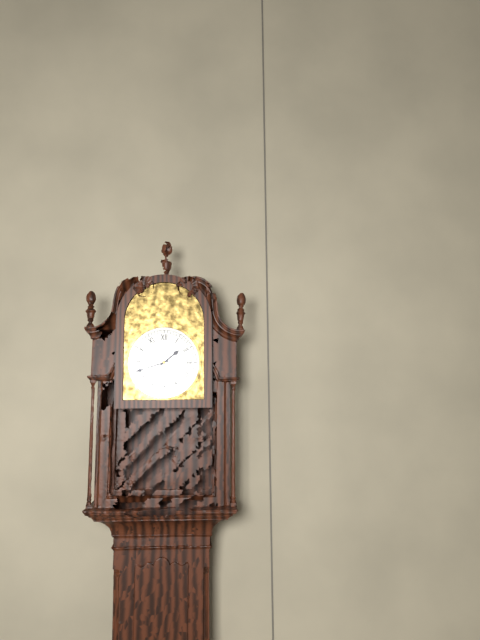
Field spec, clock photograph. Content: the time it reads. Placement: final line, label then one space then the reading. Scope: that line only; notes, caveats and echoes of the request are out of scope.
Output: 1:42
